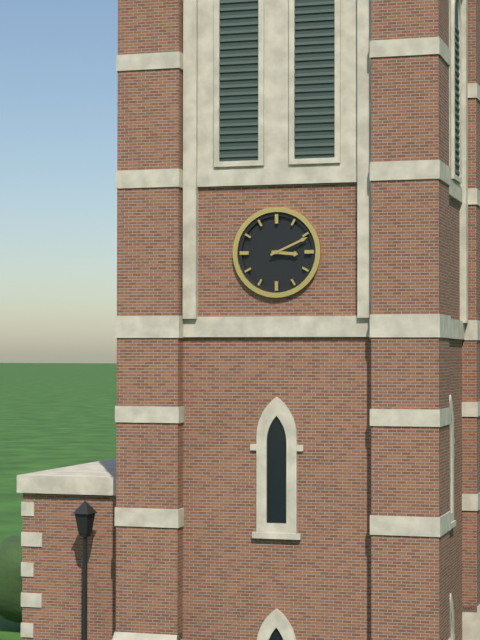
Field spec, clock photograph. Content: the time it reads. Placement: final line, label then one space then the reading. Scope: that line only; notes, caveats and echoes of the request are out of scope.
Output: 3:11
